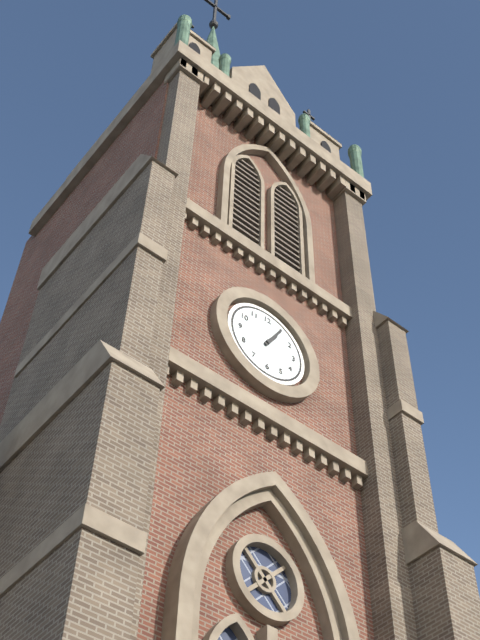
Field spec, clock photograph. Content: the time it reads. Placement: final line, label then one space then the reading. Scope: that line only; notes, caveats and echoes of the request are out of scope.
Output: 1:05
